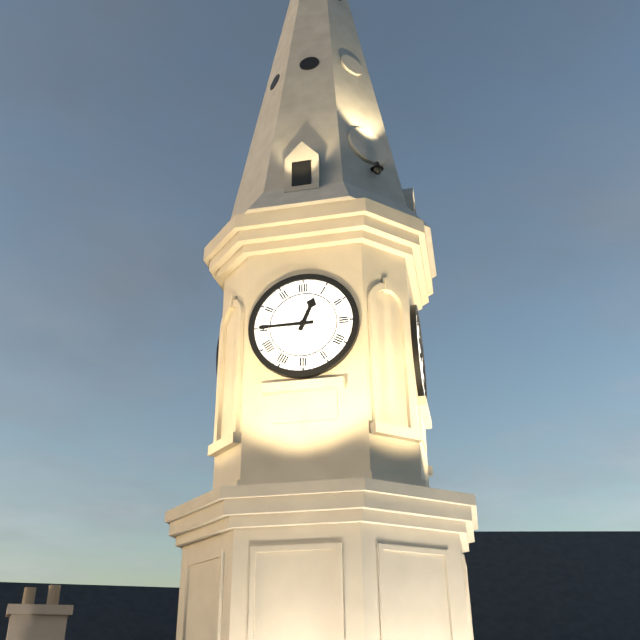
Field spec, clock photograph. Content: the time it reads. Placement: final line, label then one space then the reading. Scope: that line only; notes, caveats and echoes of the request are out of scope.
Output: 12:45
